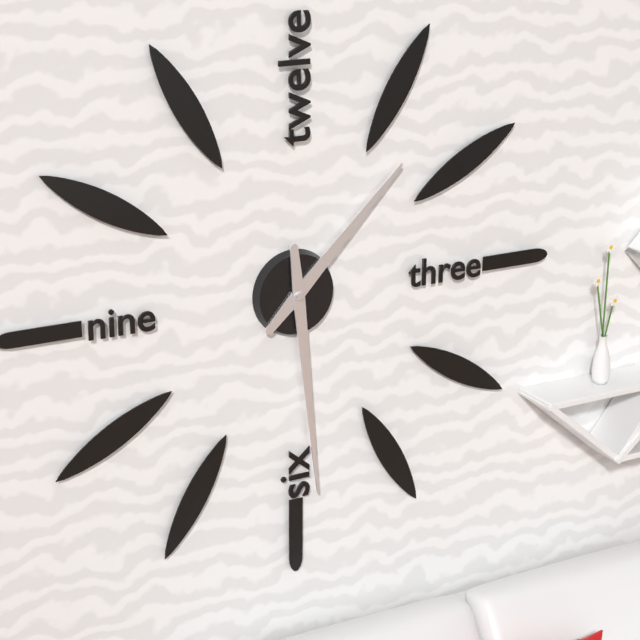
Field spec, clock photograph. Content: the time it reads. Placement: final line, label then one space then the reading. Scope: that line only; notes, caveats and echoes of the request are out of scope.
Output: 1:29
